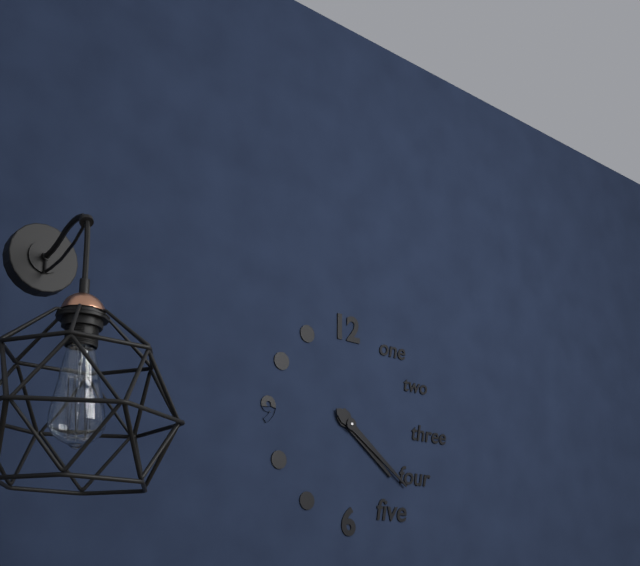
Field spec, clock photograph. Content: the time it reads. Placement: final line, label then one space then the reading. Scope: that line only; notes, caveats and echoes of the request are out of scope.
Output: 4:21
